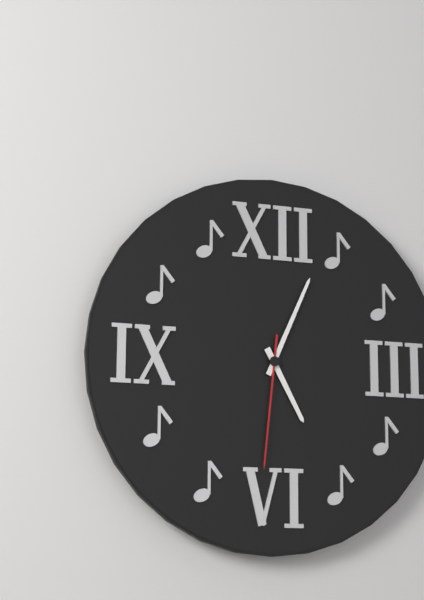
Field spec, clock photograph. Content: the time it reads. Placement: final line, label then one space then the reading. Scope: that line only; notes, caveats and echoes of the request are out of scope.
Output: 5:04:31
